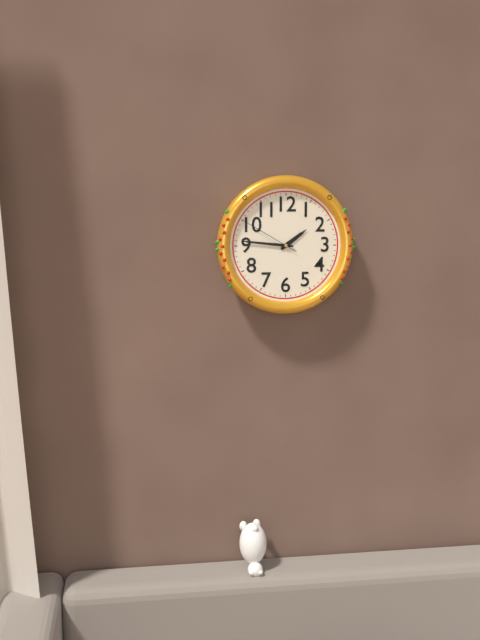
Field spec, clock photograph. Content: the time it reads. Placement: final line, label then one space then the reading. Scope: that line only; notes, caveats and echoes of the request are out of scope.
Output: 1:46:50
